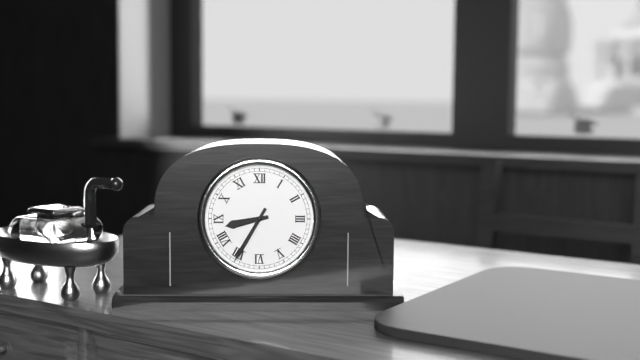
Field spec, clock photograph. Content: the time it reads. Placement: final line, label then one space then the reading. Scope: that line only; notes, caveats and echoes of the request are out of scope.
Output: 8:35
